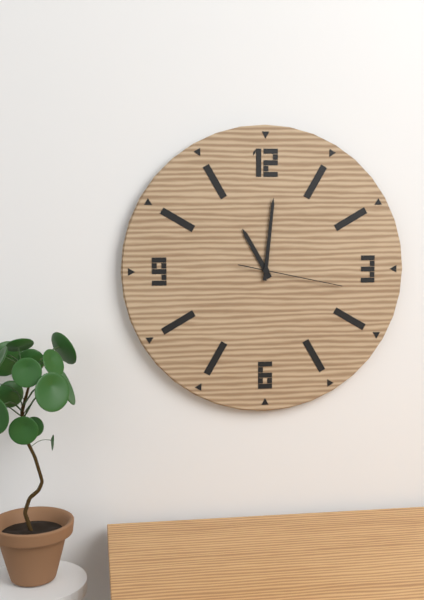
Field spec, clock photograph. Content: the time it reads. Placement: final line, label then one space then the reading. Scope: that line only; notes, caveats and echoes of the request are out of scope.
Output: 11:01:17
